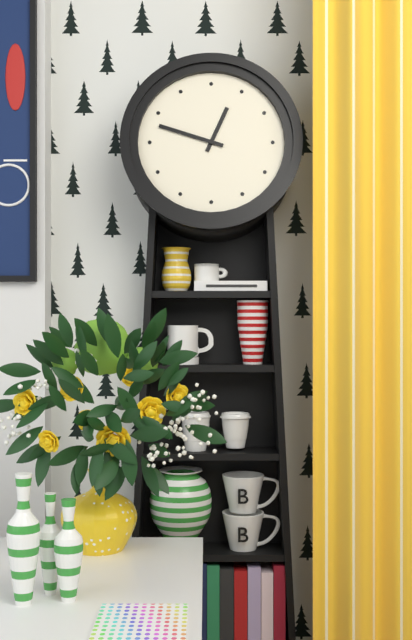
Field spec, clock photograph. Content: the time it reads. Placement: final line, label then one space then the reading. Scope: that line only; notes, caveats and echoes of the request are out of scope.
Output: 12:48
